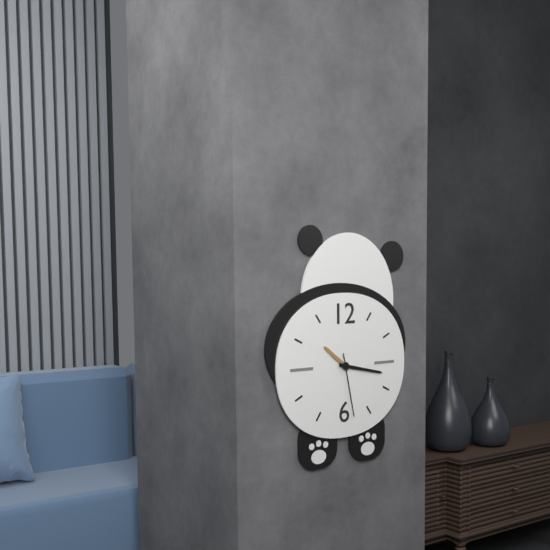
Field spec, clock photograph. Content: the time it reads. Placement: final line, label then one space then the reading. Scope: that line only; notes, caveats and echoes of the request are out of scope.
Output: 10:17:28
